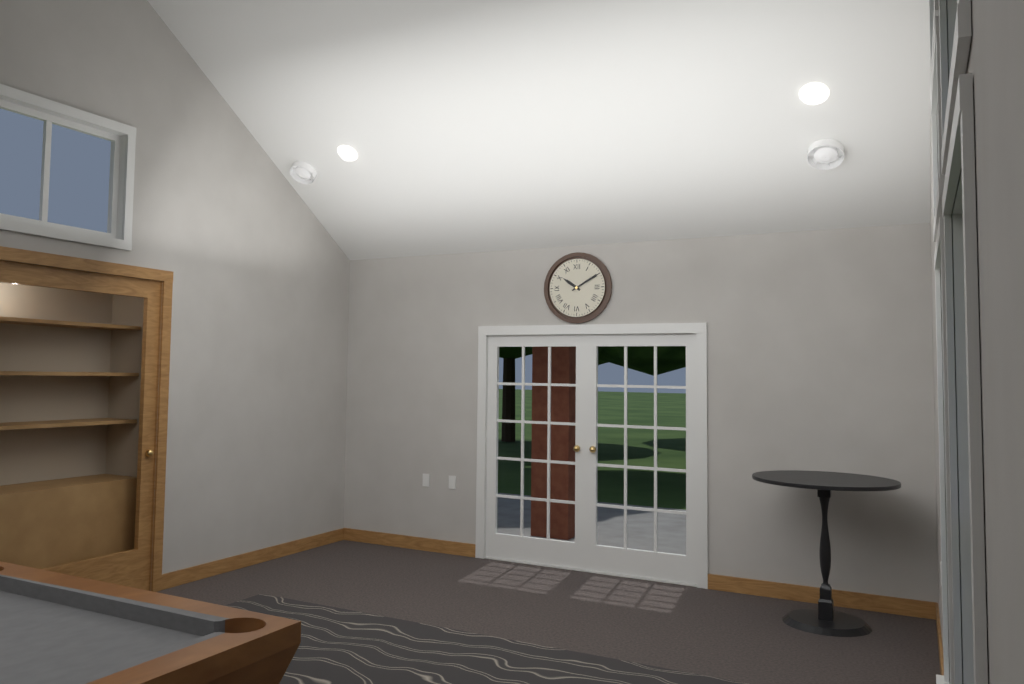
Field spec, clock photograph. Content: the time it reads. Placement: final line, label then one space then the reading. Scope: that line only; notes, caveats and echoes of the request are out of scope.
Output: 10:10
